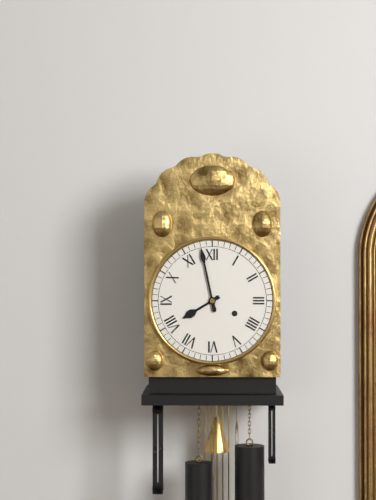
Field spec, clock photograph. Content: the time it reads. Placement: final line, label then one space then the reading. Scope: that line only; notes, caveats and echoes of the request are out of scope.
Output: 7:58
